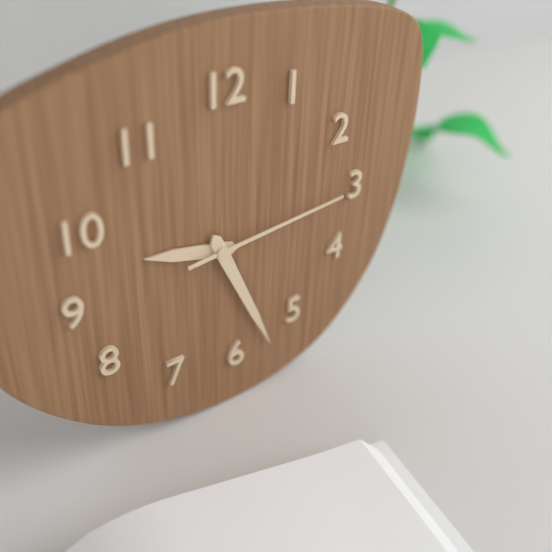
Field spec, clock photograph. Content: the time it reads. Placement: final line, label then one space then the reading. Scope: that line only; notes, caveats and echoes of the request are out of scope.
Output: 9:26:14
